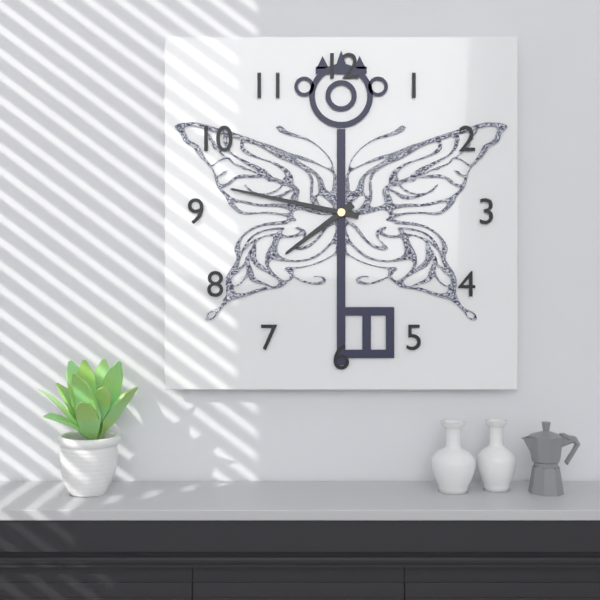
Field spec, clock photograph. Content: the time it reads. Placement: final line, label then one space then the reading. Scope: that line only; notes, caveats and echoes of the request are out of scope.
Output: 7:47
